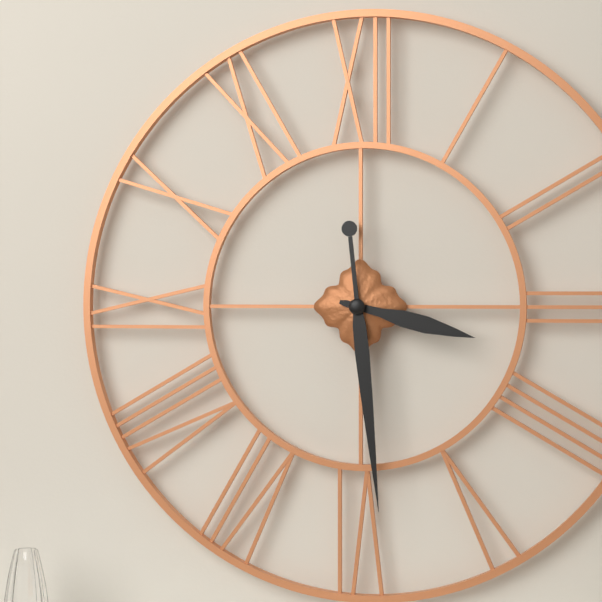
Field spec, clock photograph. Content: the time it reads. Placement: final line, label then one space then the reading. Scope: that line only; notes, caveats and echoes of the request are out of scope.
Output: 3:29
